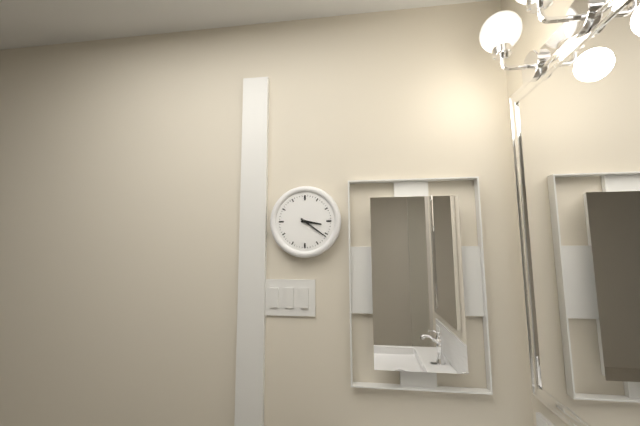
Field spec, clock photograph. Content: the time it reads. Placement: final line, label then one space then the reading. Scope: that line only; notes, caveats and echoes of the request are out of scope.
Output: 3:21
